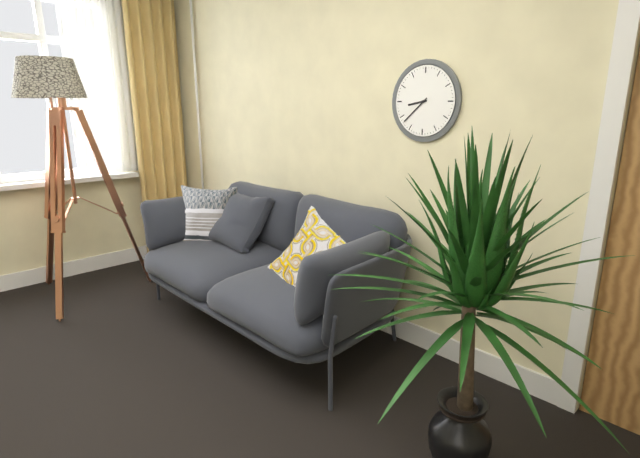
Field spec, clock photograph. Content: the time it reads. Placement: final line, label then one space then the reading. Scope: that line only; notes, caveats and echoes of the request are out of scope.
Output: 8:38
